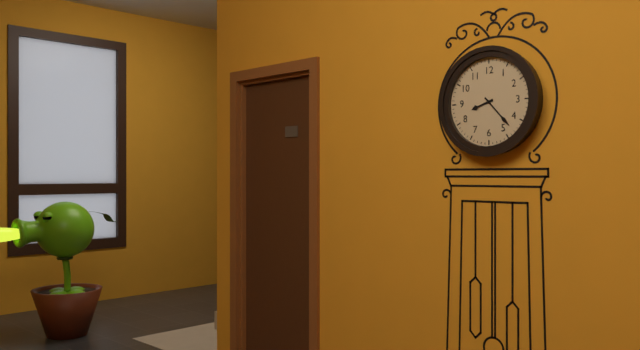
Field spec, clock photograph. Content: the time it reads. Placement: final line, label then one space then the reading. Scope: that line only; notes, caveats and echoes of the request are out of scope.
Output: 8:23
